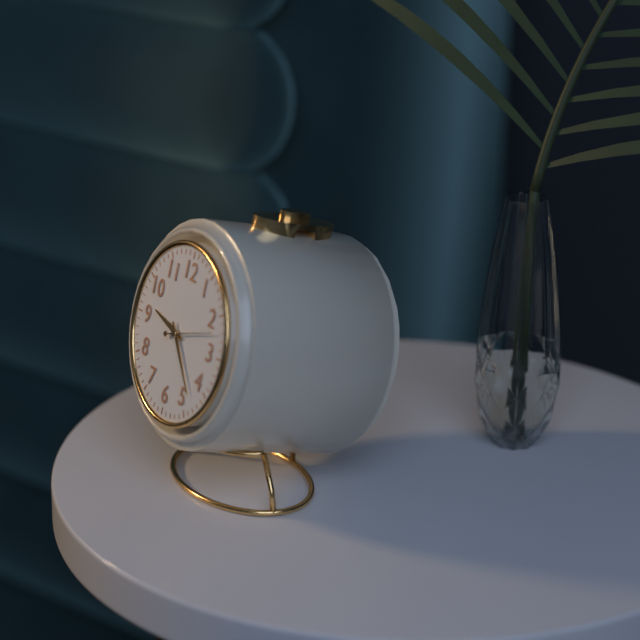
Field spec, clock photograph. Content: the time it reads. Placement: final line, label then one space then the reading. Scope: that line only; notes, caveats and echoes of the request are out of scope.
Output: 9:23:12
